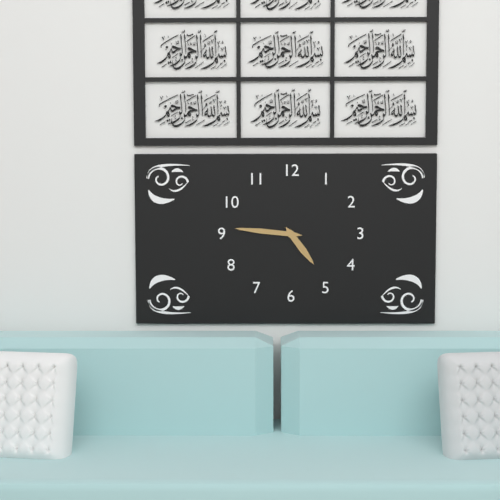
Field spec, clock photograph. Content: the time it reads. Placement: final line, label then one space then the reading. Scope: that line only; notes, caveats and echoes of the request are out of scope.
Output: 4:46
